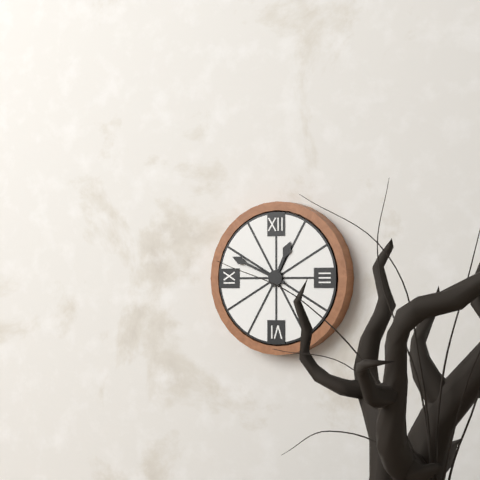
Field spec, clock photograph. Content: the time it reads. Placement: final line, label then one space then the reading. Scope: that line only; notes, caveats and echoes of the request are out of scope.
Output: 12:49
